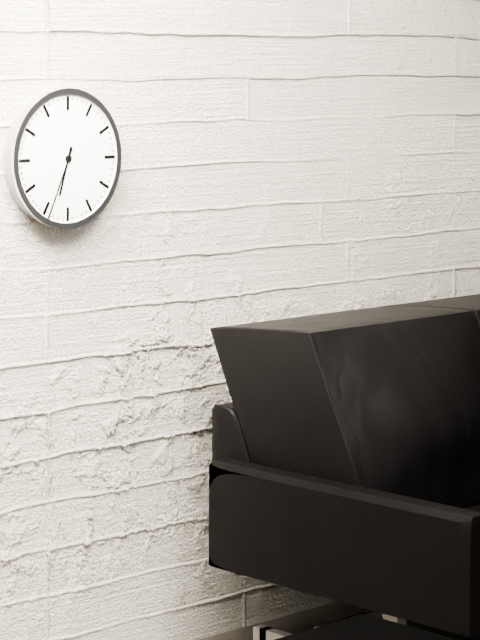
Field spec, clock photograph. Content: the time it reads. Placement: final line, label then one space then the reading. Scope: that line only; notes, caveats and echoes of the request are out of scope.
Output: 6:34
